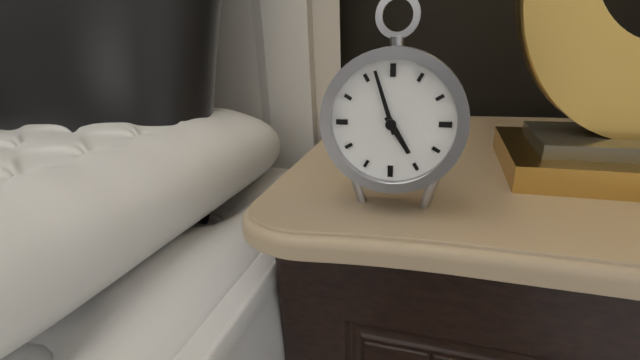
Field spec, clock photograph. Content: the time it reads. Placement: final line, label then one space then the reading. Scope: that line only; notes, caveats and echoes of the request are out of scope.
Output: 4:57
